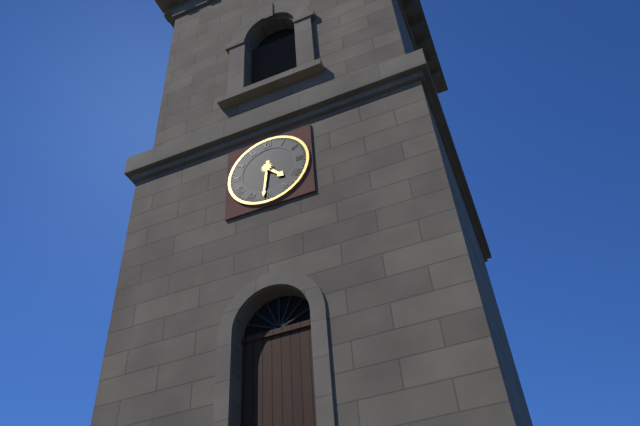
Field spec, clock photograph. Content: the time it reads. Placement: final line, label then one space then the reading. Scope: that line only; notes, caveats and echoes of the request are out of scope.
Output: 4:31
